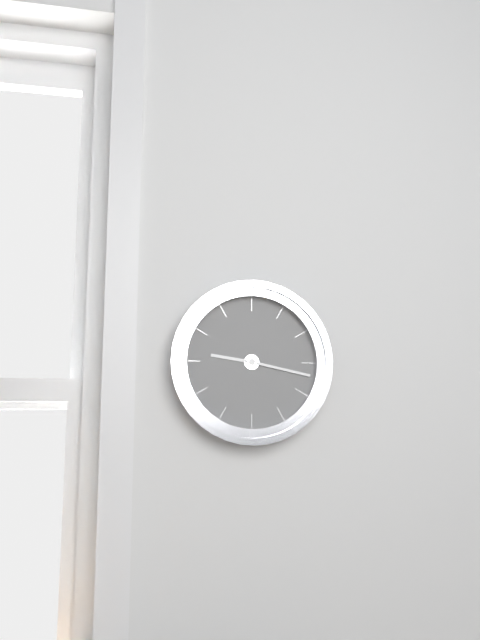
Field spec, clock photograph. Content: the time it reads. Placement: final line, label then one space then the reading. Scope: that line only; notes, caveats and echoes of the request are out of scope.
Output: 9:17
